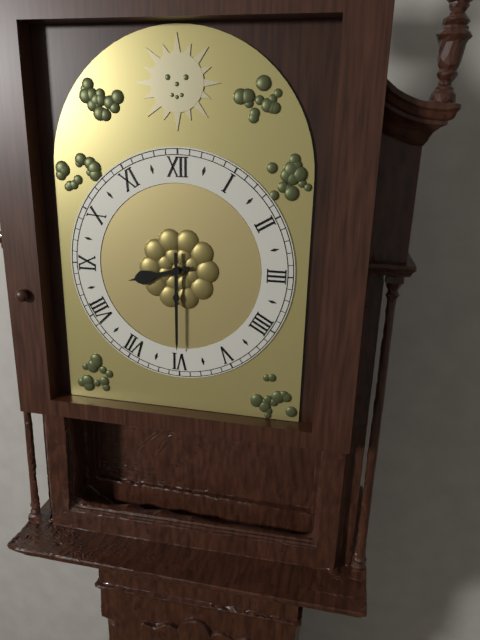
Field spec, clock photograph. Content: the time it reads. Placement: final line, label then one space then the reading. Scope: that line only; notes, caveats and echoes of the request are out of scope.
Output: 8:30
